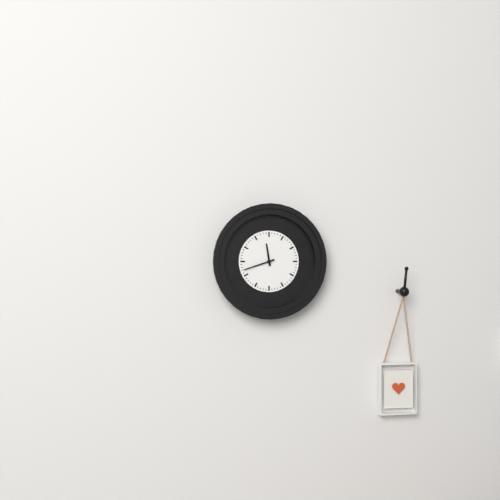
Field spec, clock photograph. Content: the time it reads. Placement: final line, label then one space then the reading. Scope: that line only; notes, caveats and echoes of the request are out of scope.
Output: 11:42
